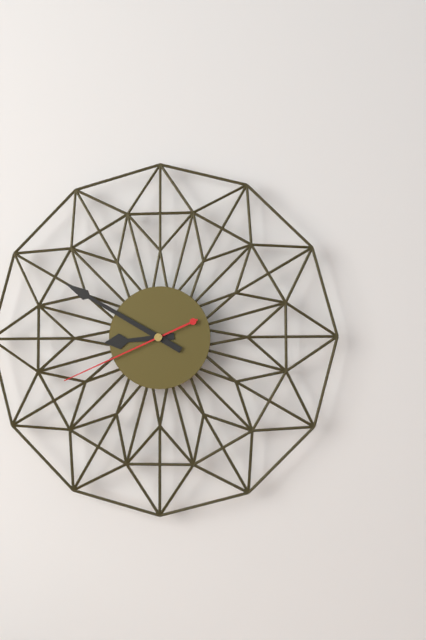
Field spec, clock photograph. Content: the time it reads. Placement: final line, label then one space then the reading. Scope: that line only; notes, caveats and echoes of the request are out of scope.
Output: 8:50:41
